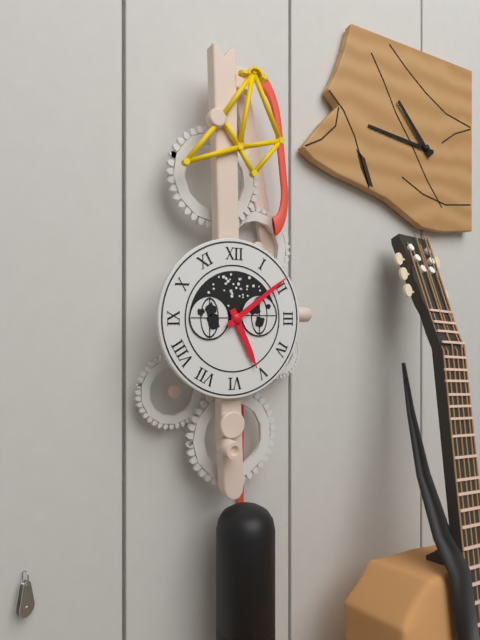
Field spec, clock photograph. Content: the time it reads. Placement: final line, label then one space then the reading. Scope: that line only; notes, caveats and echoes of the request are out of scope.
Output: 5:09
